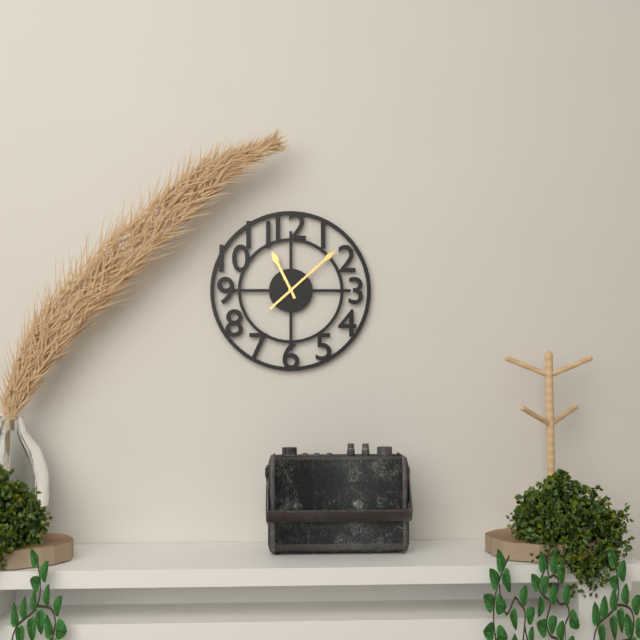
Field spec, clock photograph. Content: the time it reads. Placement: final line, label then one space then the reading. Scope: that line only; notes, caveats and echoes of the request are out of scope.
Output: 11:08
